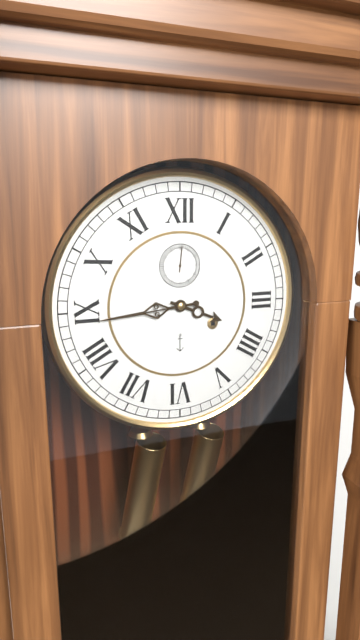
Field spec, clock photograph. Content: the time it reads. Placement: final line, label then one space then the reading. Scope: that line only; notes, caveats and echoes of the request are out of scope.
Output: 3:44
